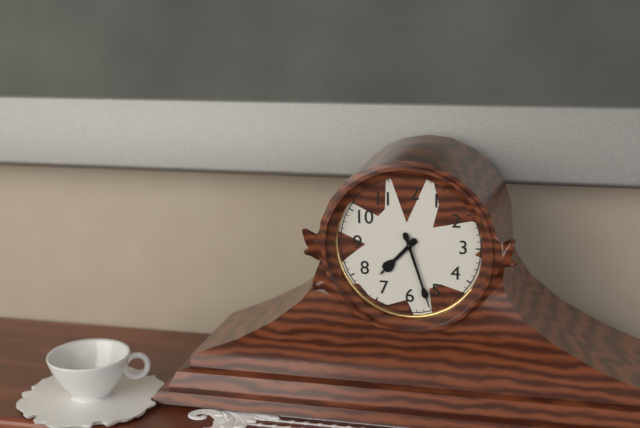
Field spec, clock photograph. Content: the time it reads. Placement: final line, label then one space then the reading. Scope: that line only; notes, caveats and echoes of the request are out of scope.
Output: 7:27
